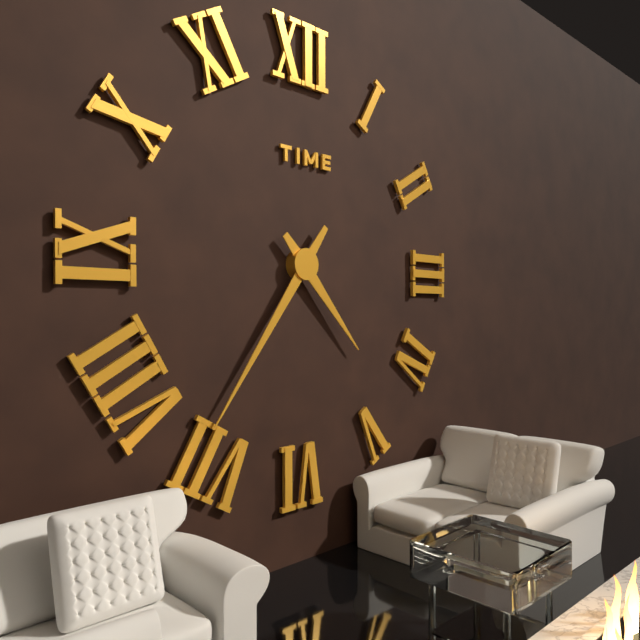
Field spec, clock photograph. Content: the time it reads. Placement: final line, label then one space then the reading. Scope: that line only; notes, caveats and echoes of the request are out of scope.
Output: 4:36
